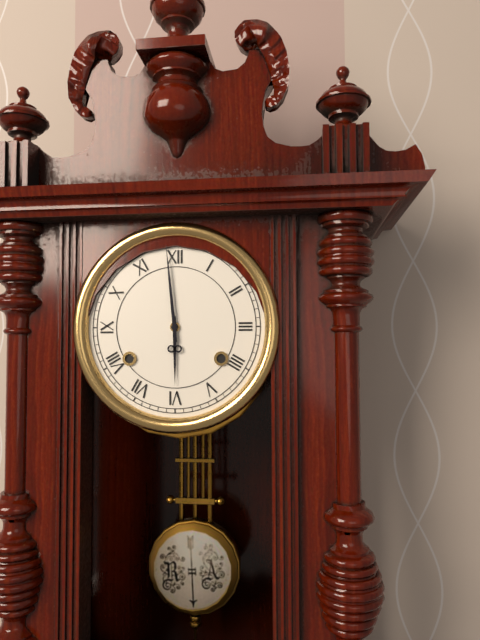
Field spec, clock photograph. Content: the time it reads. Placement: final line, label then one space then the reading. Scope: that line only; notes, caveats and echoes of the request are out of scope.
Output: 5:59
